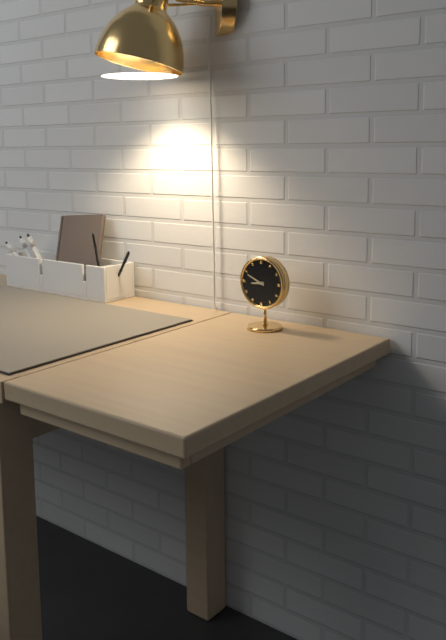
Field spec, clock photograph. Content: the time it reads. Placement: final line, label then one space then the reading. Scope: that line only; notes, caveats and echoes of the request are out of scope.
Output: 8:49
